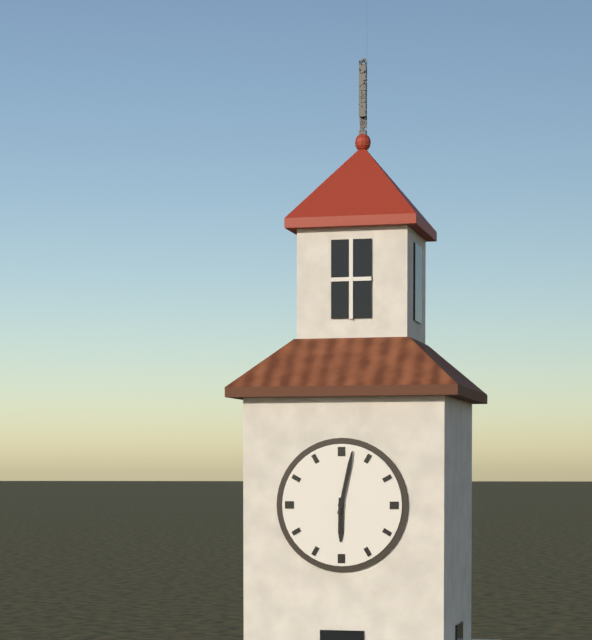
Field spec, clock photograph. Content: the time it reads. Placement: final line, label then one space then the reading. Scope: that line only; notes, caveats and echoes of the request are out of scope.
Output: 6:02
